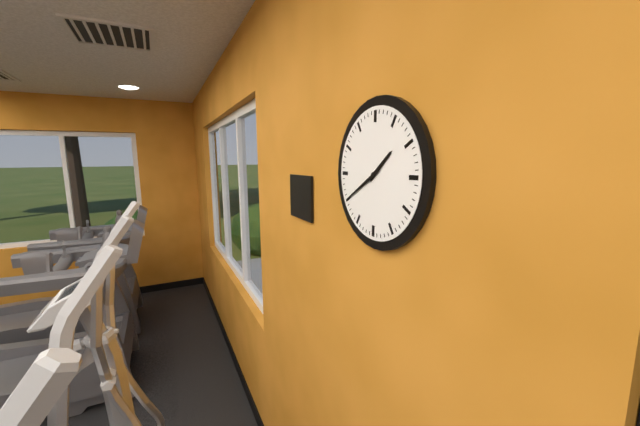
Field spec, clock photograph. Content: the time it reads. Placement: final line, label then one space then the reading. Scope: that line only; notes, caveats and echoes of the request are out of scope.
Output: 1:40
